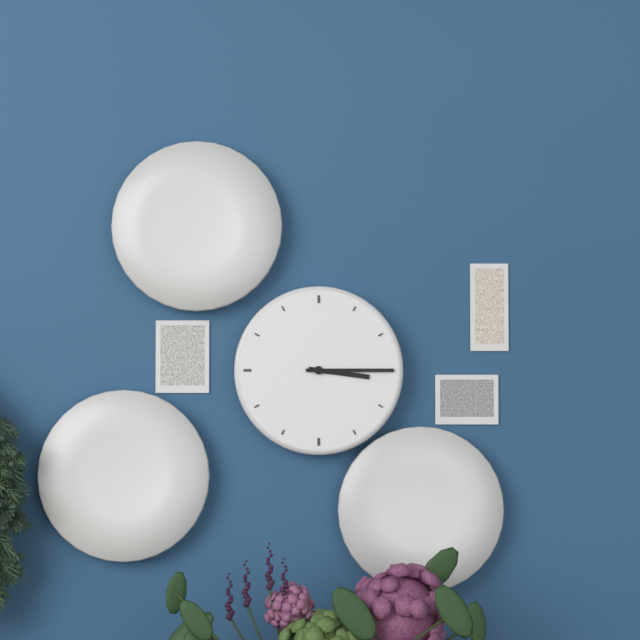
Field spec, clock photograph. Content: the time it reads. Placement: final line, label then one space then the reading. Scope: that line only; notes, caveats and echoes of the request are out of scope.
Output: 3:15
